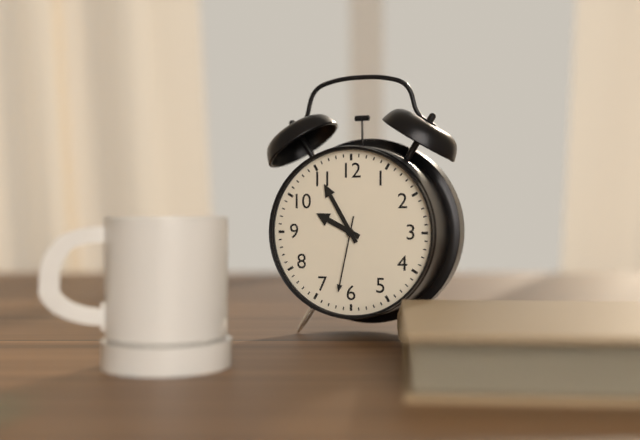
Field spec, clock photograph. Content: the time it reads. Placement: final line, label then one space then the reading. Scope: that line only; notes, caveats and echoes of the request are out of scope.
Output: 9:55:32
